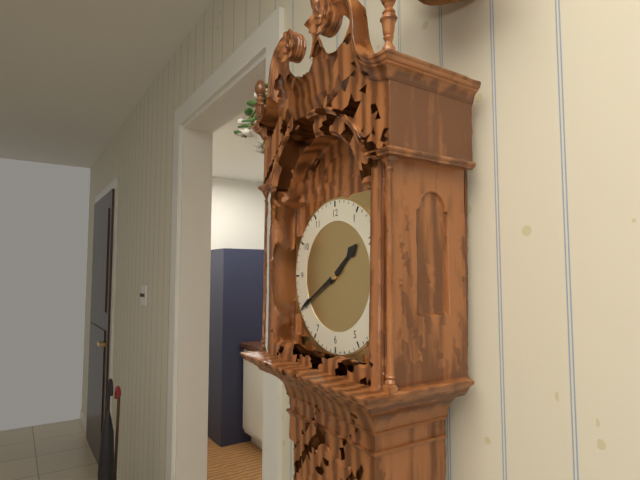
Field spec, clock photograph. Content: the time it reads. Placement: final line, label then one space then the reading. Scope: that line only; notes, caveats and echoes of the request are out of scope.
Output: 1:40
